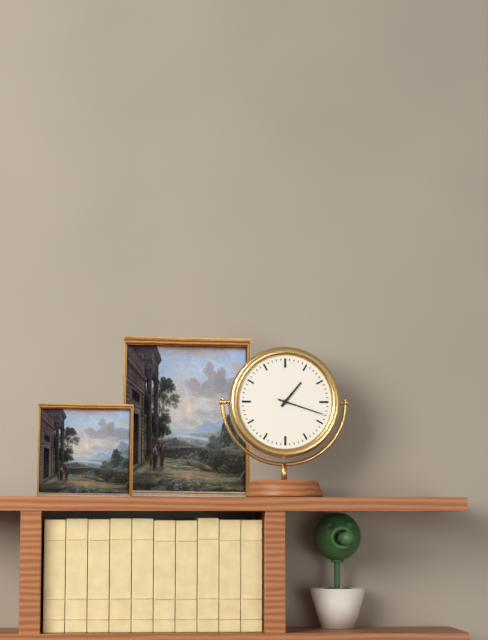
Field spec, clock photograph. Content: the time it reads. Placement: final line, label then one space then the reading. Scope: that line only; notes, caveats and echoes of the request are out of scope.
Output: 1:18
